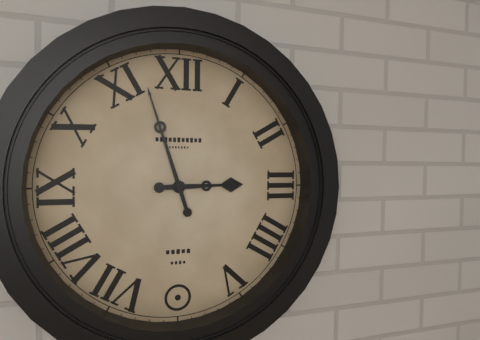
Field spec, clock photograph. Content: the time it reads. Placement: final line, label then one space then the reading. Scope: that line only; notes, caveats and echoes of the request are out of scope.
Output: 2:57
